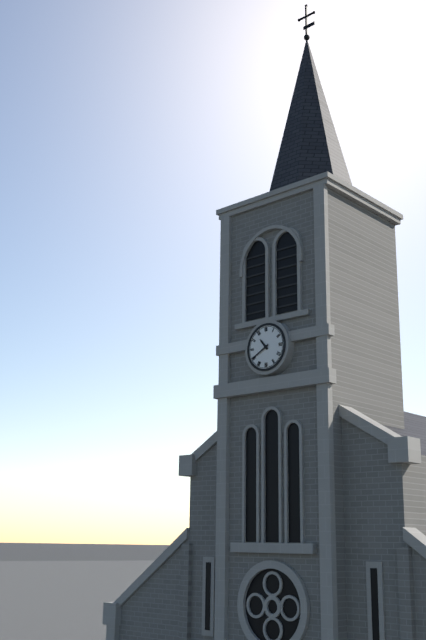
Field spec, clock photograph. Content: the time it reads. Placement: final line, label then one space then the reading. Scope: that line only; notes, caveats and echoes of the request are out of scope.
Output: 10:40
